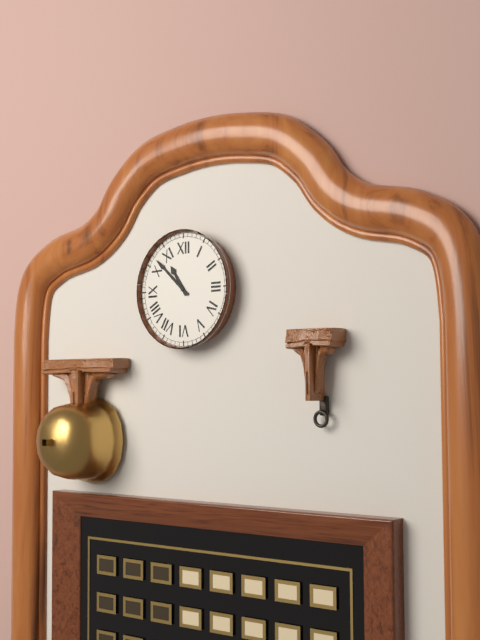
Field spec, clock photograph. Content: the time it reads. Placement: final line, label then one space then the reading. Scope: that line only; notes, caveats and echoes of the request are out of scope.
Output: 10:52
